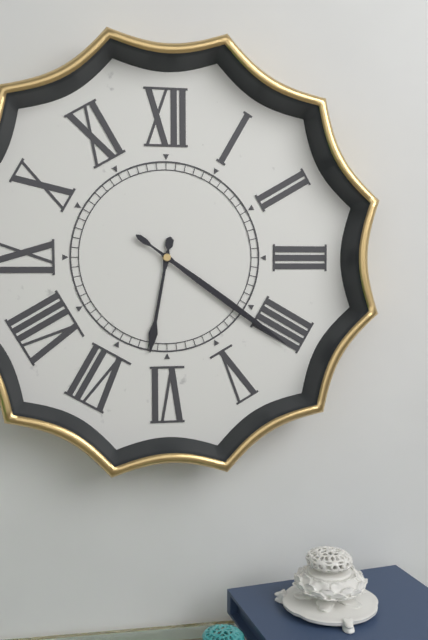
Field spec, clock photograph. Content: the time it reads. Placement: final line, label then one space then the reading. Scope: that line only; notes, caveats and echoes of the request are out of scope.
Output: 6:21
